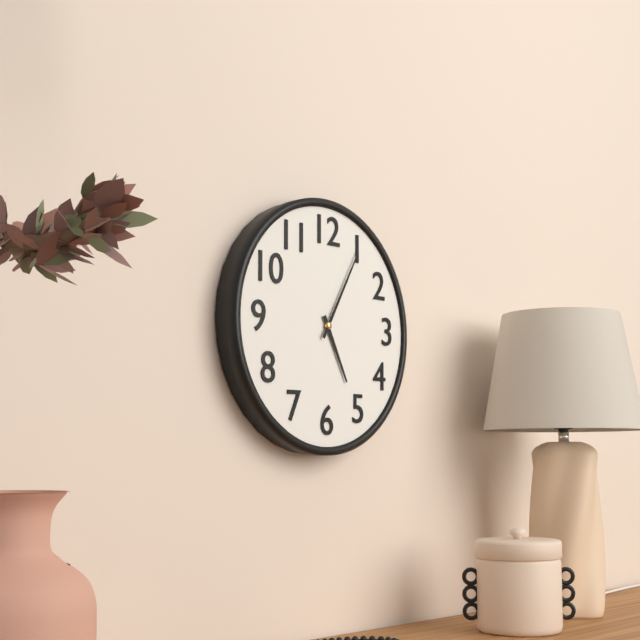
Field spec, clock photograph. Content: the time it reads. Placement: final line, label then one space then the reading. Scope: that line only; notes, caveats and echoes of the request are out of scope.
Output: 5:05
